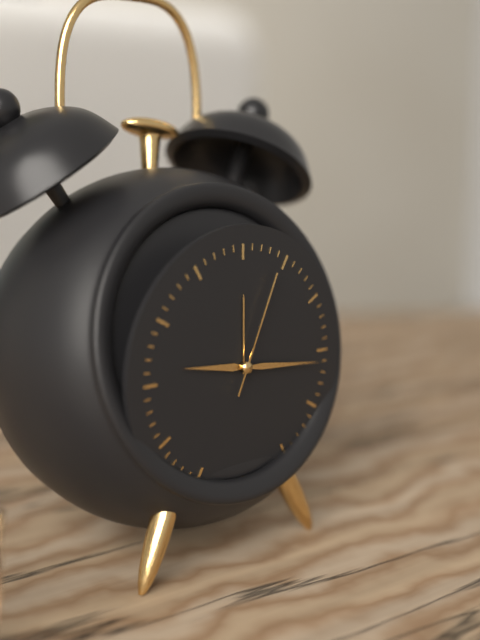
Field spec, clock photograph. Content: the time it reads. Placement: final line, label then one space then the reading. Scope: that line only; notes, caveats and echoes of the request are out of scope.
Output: 9:16:04
